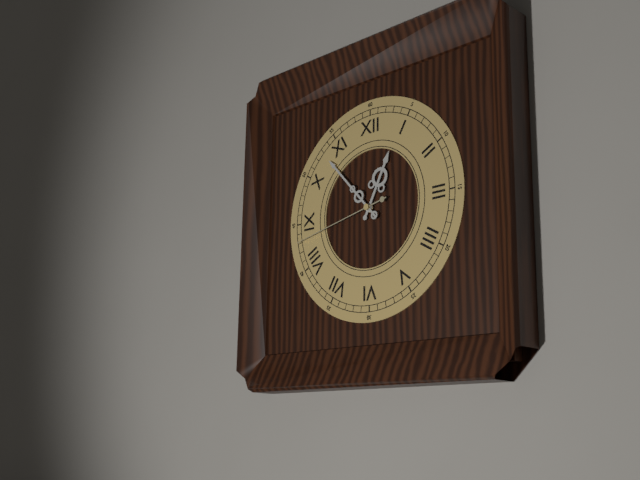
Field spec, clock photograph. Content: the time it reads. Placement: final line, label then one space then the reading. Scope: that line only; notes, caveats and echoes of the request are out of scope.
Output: 12:53:43
